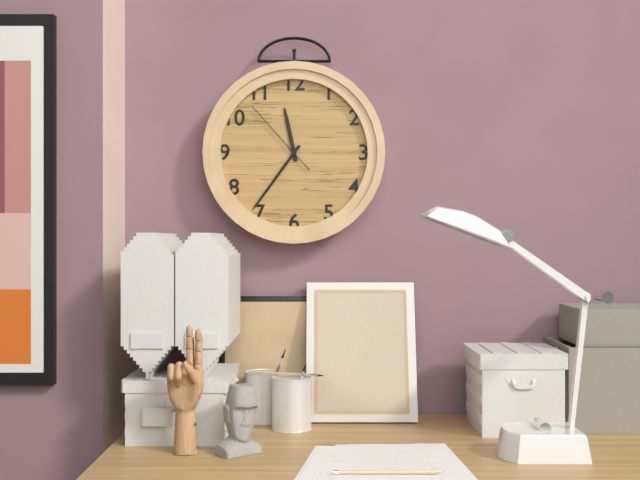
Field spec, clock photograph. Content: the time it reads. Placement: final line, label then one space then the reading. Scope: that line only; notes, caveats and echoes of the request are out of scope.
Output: 11:36:53
